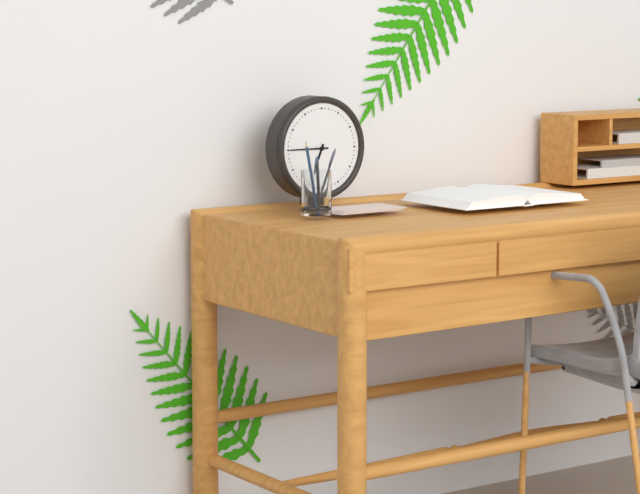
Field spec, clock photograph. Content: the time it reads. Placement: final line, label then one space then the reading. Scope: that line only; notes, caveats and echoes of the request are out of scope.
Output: 6:45
